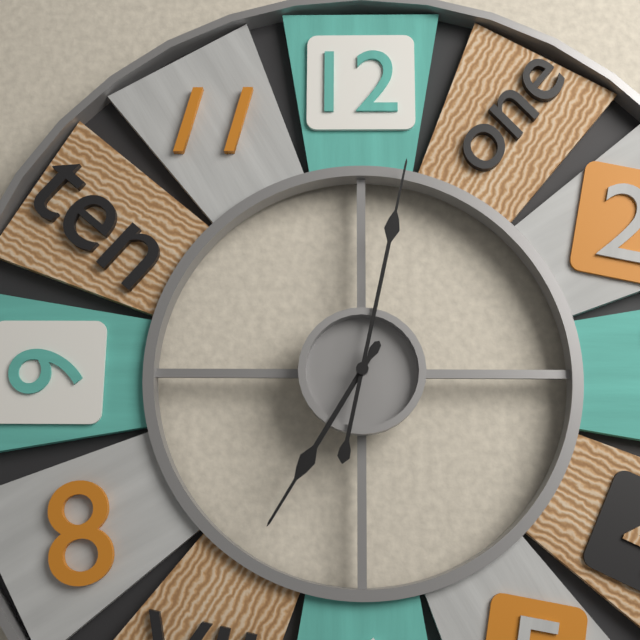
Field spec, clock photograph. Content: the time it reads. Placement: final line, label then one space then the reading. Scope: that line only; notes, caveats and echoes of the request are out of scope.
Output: 7:02
